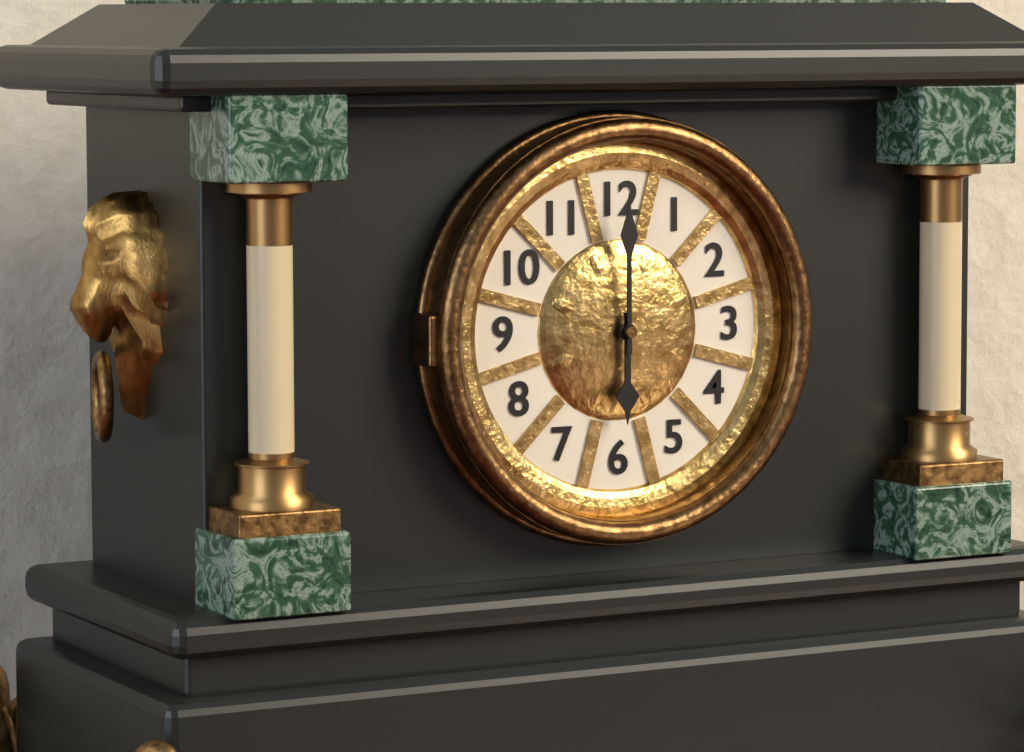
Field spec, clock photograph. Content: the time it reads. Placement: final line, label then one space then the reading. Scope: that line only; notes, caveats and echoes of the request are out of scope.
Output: 6:00
